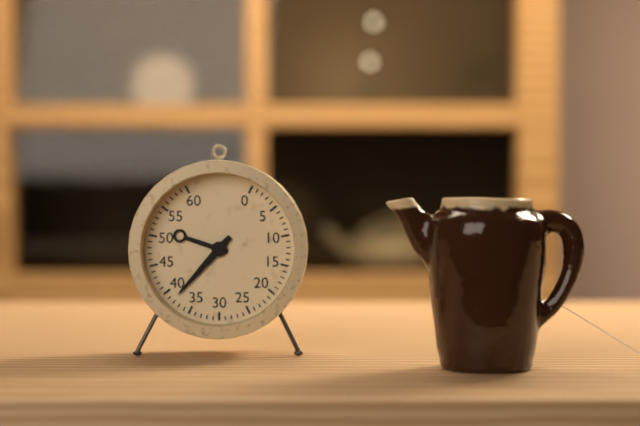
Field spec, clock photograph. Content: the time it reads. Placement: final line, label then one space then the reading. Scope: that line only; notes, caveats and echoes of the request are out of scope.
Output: 9:37
